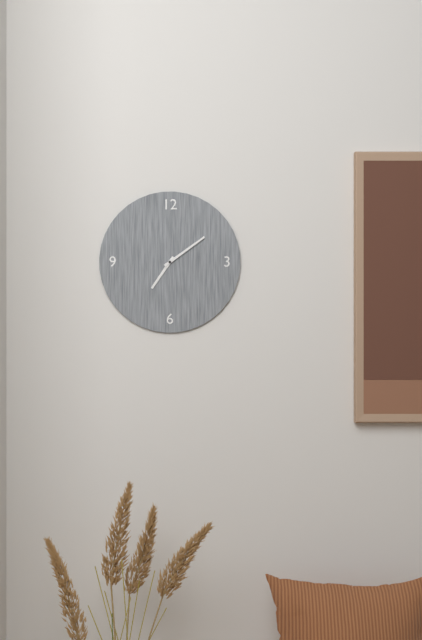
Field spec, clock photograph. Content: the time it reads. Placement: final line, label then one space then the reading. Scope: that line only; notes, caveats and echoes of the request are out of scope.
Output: 7:09
